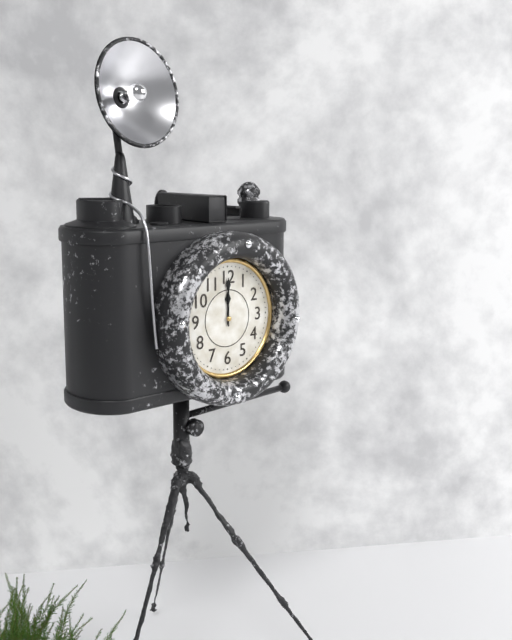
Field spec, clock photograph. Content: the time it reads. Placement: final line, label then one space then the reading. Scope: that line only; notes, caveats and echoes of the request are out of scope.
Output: 12:00
